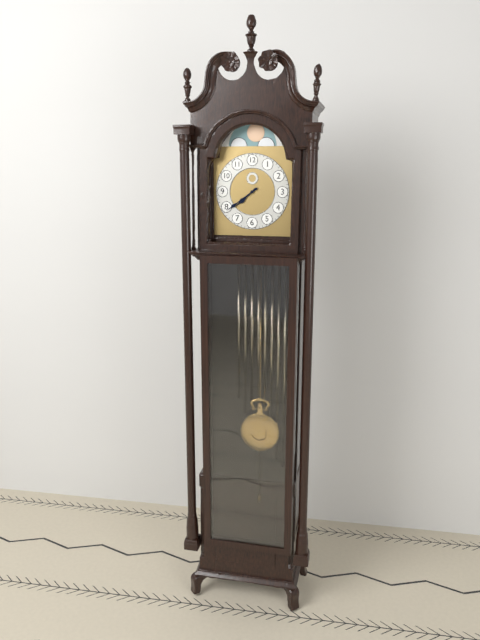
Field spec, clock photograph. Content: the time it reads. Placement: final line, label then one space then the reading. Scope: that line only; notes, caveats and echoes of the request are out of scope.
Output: 7:39
